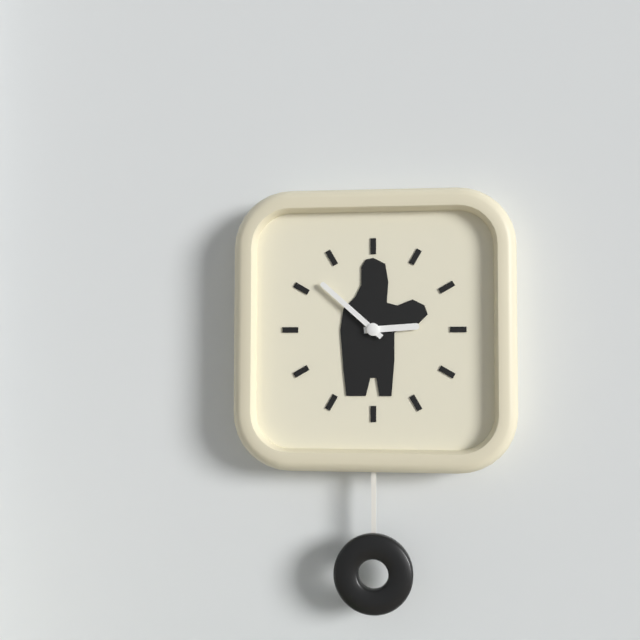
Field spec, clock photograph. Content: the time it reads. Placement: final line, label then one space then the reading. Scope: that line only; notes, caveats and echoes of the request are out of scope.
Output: 2:52
